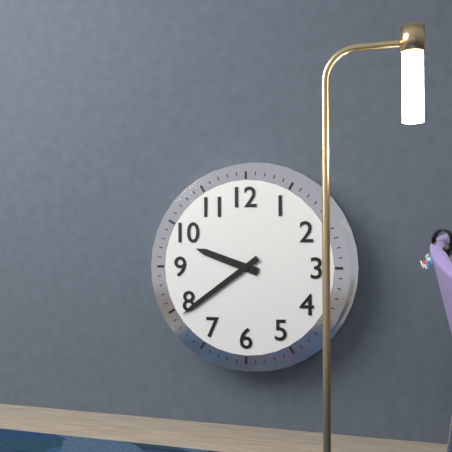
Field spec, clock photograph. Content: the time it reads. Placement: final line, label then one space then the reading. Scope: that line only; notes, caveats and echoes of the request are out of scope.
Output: 9:39
